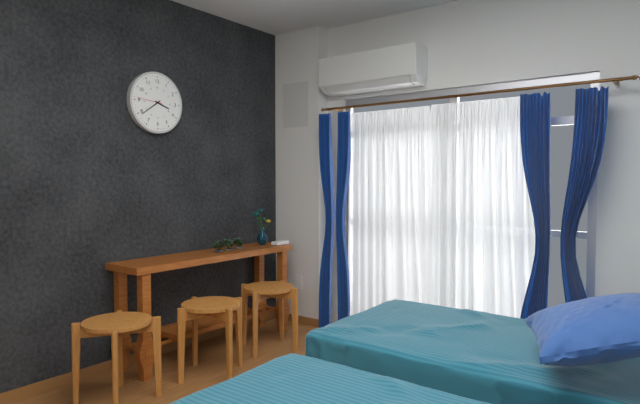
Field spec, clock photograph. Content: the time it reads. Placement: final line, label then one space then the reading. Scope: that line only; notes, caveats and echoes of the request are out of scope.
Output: 3:39
